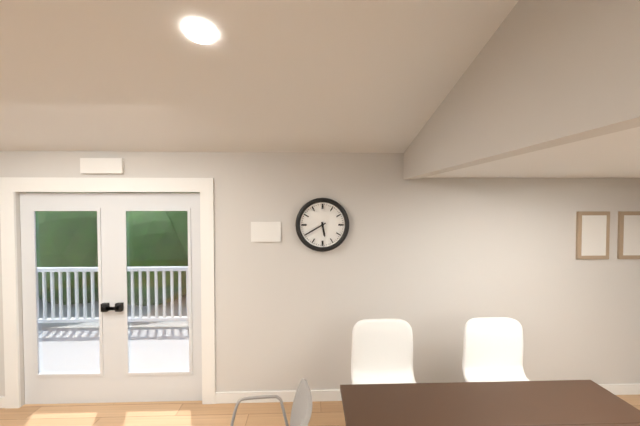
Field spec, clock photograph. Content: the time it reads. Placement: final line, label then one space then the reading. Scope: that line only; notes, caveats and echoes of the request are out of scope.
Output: 5:40
